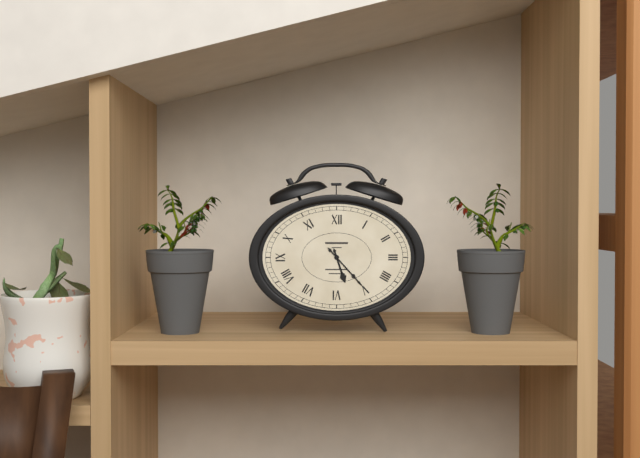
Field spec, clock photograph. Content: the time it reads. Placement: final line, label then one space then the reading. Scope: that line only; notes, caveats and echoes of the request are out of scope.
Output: 5:23
